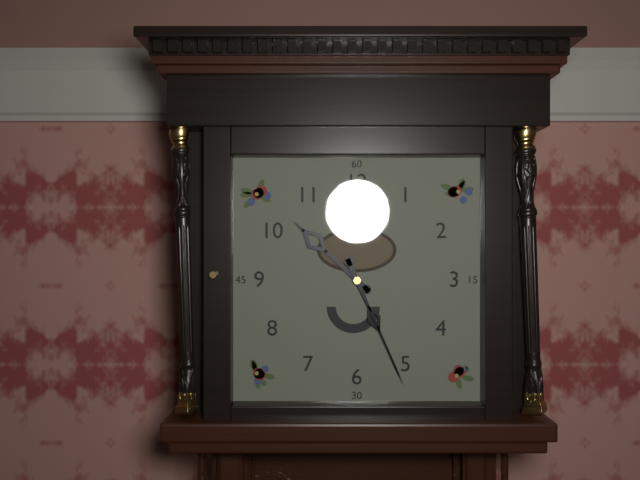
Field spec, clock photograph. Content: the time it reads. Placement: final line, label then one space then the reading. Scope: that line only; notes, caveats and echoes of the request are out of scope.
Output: 10:26
